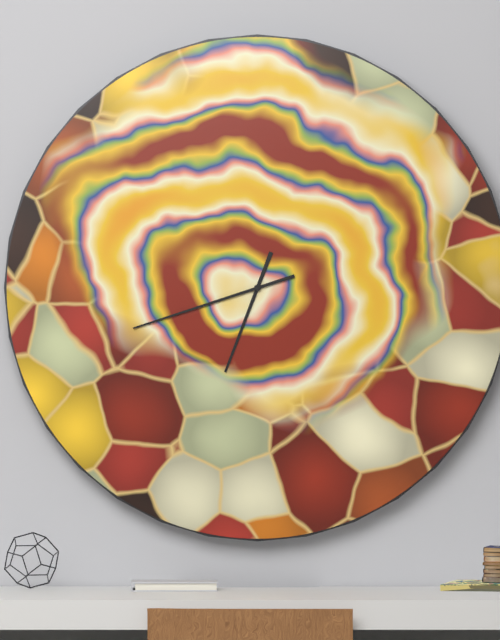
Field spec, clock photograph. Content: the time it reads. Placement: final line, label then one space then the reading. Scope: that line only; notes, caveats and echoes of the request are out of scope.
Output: 6:42
